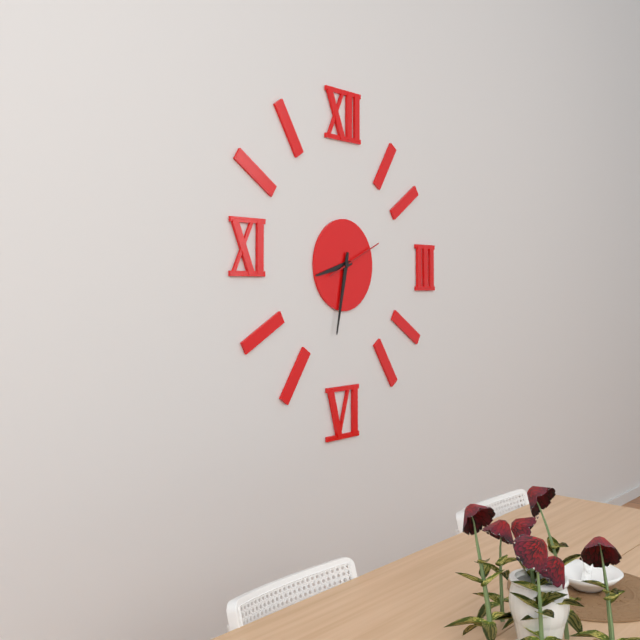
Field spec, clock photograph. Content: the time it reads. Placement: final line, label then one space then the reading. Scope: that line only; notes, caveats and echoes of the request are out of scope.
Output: 8:32:11
